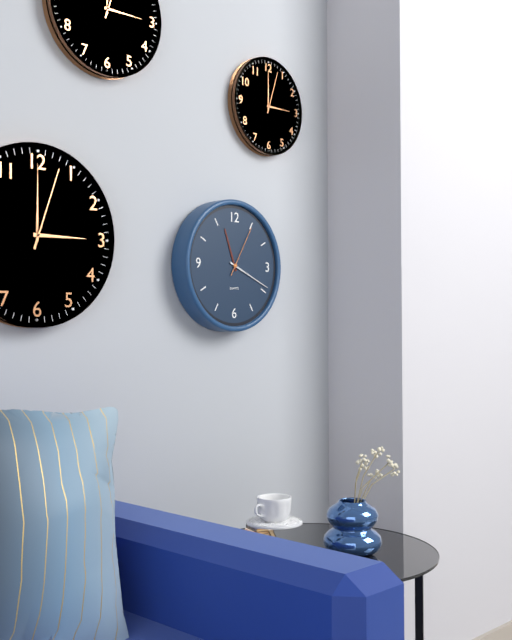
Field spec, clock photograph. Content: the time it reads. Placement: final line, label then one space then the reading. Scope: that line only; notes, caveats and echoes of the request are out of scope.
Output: 11:19:05
